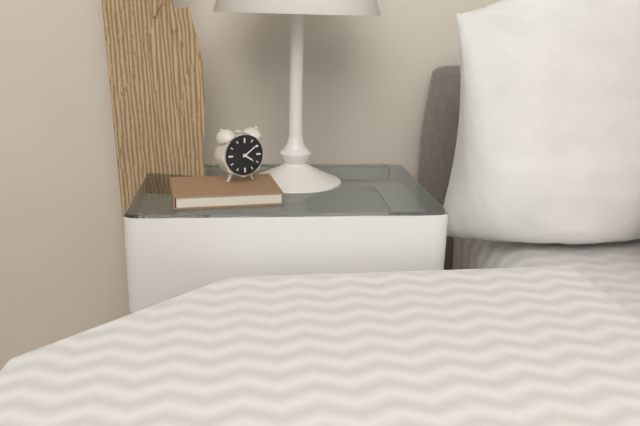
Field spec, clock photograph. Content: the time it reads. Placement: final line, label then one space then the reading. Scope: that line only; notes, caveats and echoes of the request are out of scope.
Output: 4:09
